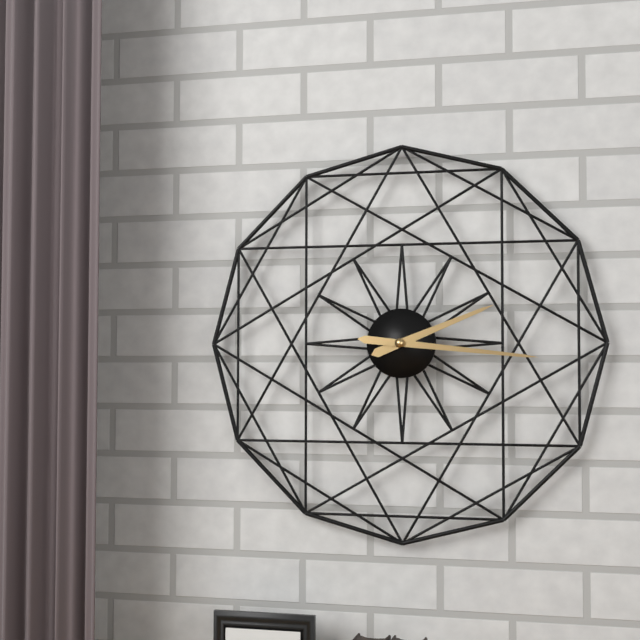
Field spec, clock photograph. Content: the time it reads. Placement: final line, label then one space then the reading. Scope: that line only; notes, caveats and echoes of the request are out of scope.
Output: 2:16
